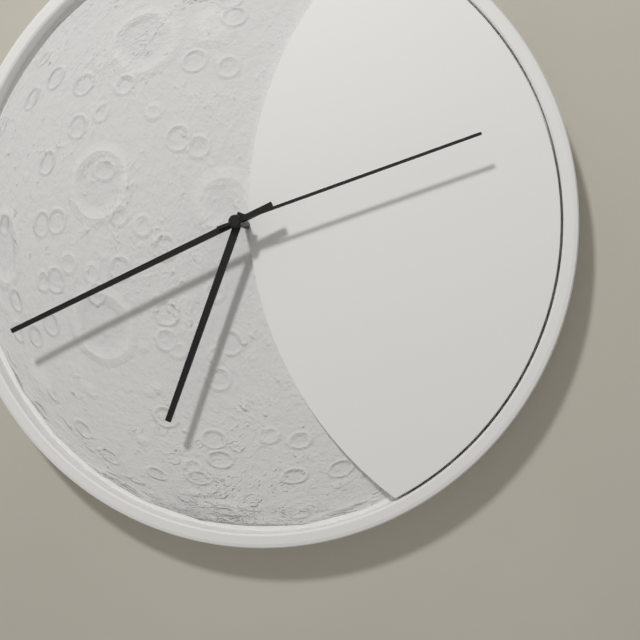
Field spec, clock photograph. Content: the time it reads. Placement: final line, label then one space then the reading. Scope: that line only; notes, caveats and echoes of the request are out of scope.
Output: 6:41:12
